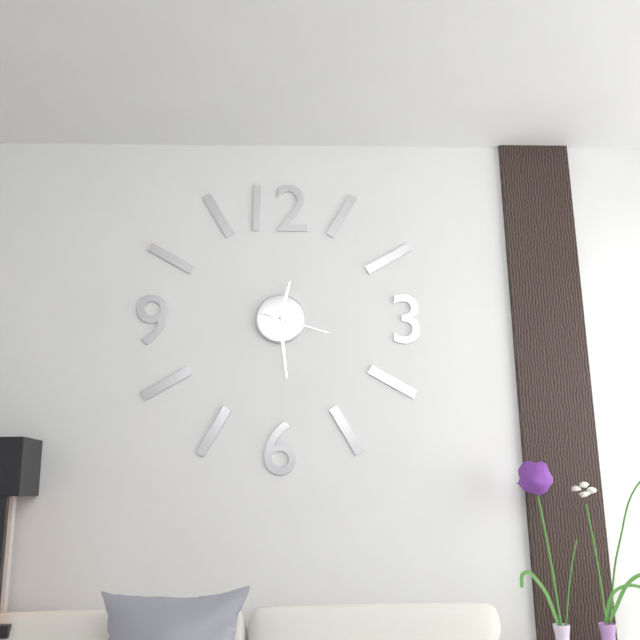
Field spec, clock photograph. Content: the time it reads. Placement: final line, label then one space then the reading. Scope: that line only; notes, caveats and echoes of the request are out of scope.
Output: 12:29:18
